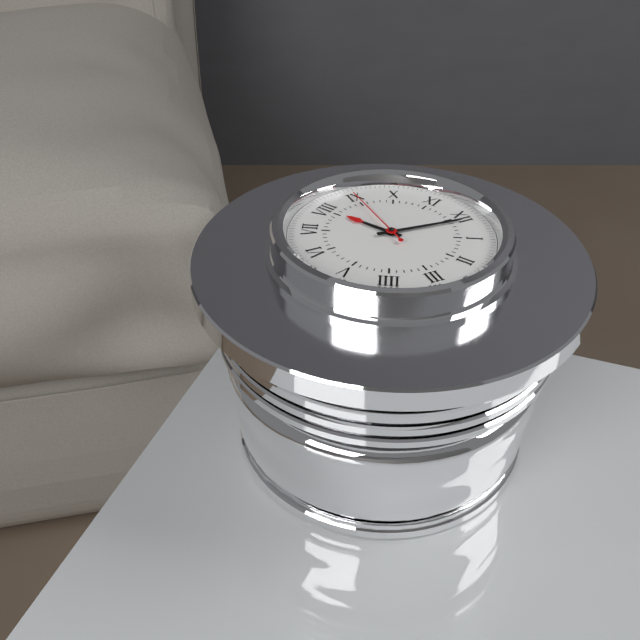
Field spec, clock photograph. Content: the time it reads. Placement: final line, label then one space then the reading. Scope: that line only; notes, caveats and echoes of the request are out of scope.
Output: 8:01:45
